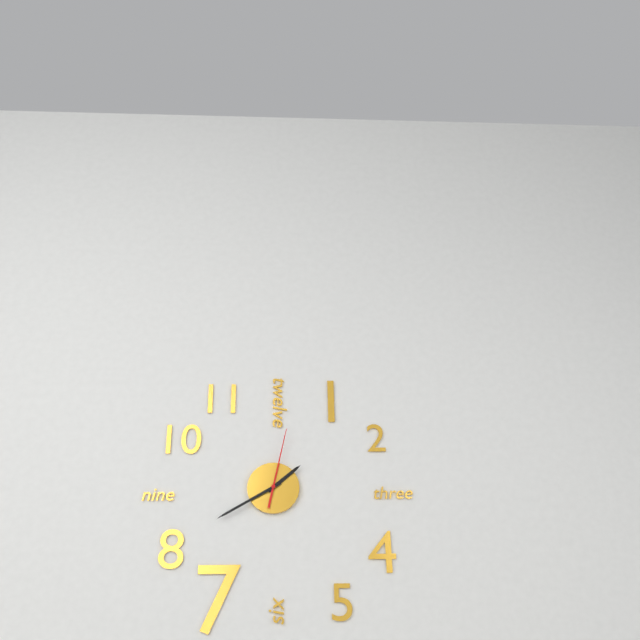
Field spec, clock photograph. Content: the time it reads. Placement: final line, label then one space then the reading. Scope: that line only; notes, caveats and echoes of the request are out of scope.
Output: 1:40:02
